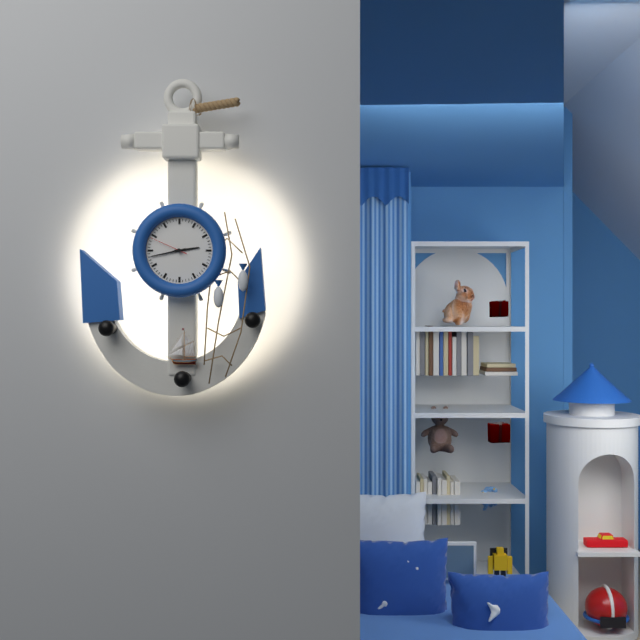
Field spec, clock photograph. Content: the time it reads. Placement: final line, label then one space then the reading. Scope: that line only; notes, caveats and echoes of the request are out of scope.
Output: 2:43
